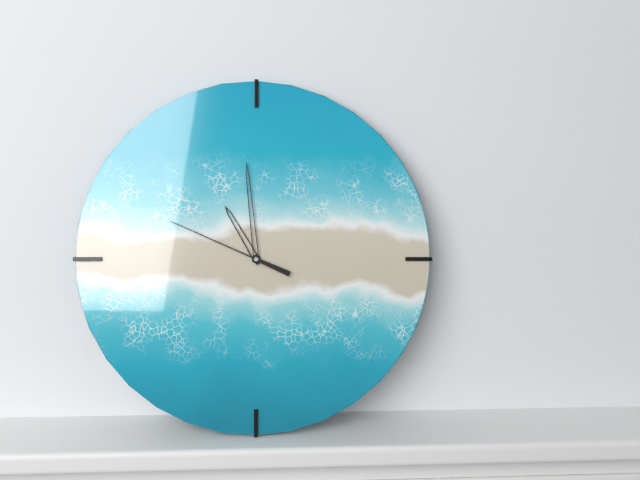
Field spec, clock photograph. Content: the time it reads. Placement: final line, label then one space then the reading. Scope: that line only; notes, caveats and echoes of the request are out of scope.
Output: 10:59:49
